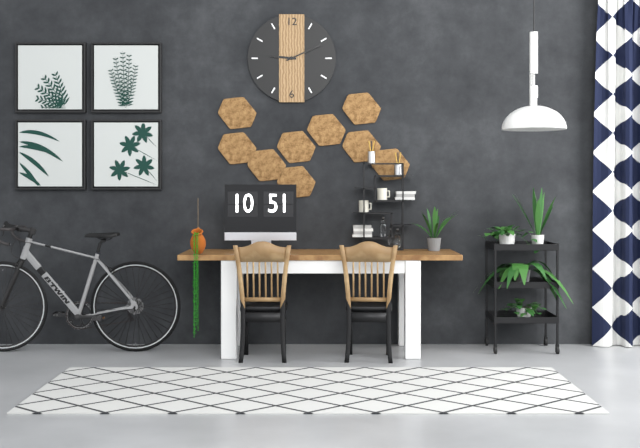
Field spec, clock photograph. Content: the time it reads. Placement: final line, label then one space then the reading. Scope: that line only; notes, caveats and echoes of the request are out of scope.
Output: 9:11
